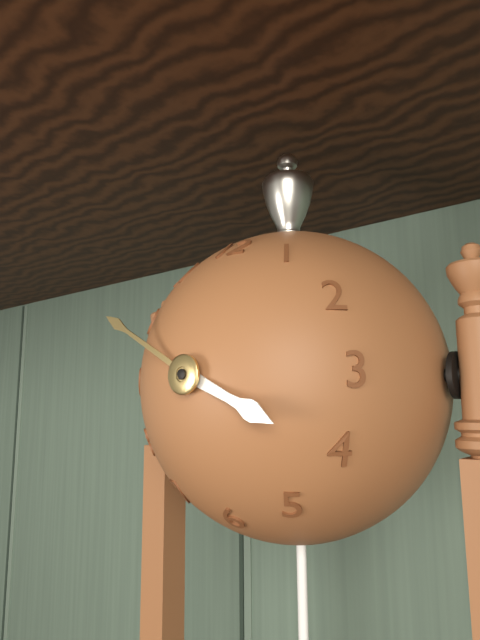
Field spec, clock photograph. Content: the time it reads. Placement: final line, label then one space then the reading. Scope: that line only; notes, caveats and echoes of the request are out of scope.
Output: 3:50
